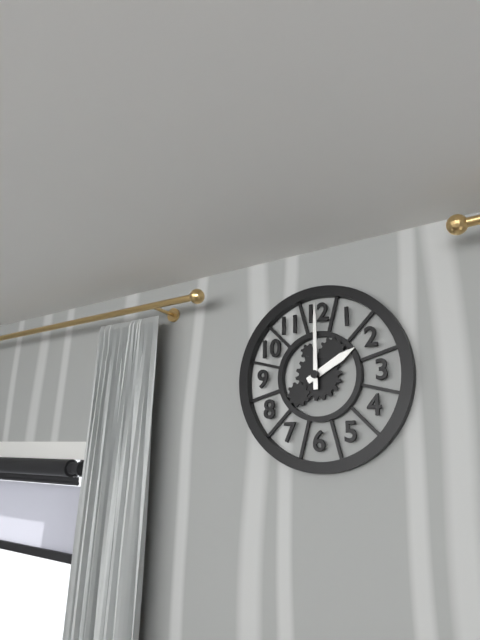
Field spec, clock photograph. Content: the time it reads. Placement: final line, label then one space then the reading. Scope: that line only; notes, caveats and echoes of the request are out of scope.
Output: 2:00
